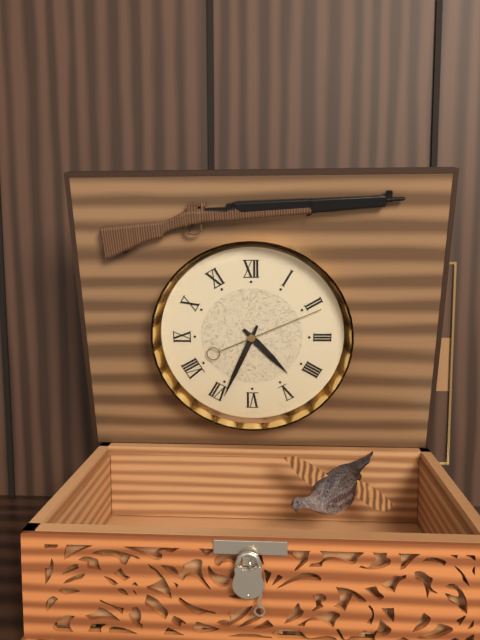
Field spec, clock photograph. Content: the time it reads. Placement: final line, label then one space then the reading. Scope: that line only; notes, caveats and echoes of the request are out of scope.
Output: 4:34:11
